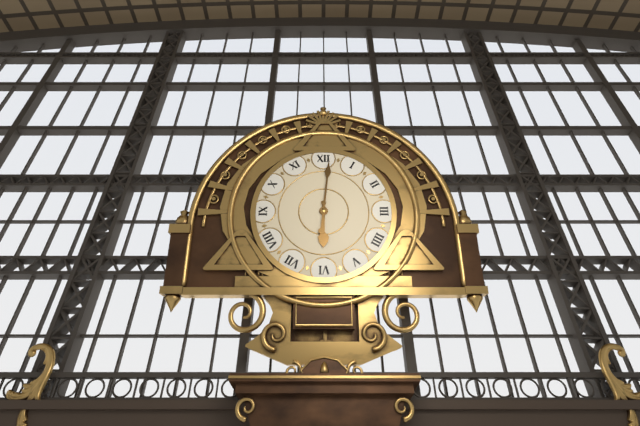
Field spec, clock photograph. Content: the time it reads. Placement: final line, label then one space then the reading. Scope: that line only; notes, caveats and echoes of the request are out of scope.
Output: 6:01
